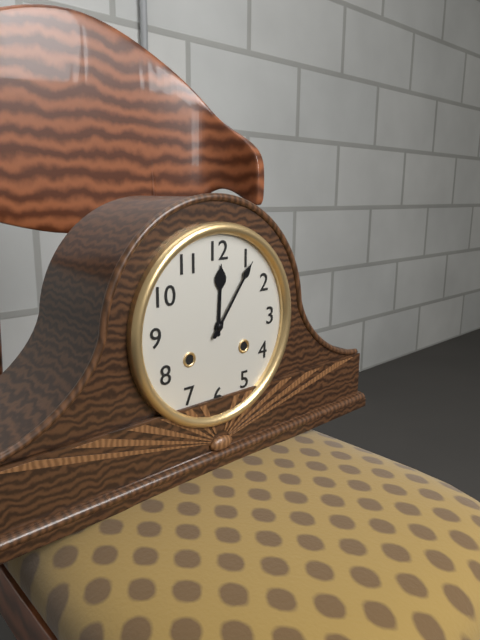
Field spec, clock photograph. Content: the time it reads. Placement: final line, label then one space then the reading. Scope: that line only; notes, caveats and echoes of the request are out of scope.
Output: 12:06
